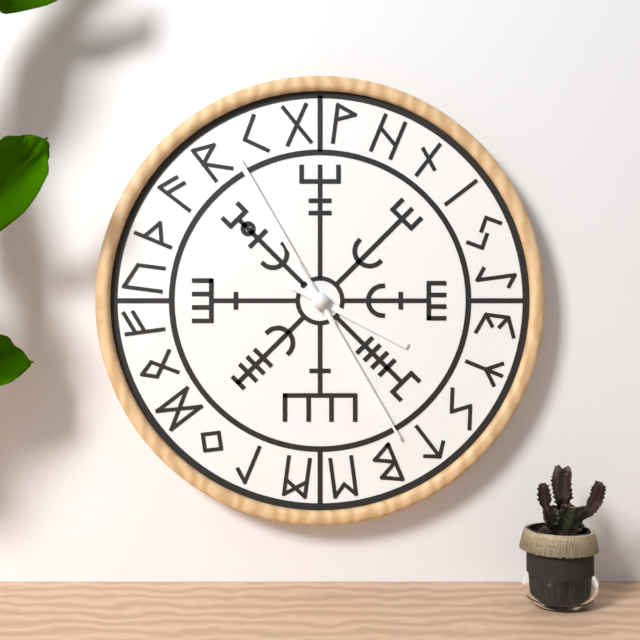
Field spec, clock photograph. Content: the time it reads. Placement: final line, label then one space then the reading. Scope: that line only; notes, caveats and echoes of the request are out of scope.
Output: 3:55:25
